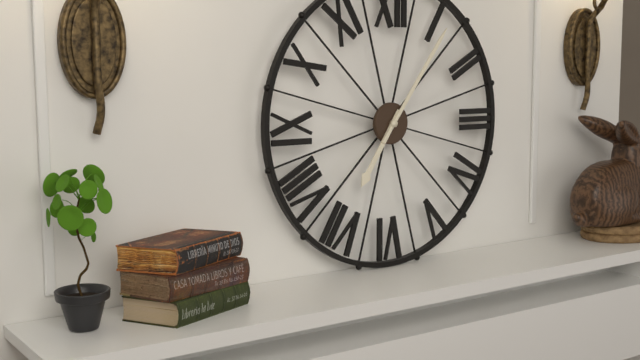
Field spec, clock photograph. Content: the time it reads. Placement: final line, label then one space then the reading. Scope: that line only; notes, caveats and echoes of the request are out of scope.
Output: 7:06
